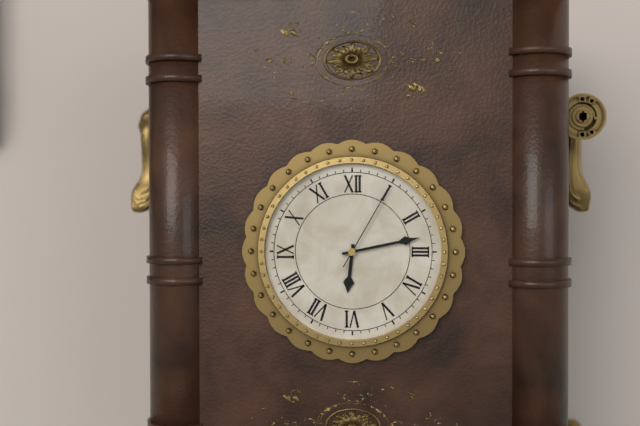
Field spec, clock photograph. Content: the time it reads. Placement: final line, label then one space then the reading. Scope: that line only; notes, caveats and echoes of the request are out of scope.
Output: 6:13:05
